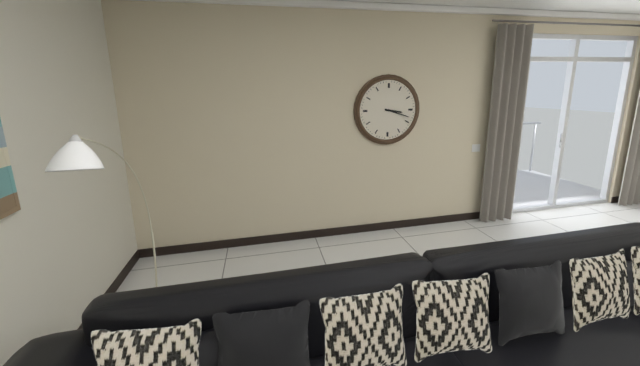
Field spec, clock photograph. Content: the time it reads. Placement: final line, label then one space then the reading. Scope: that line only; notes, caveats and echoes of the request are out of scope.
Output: 3:18
